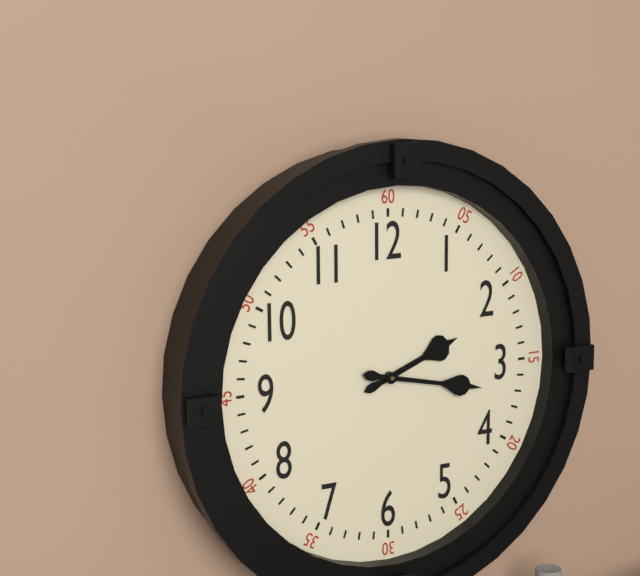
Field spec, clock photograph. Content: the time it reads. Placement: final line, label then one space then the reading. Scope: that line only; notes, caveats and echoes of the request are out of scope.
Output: 2:17
